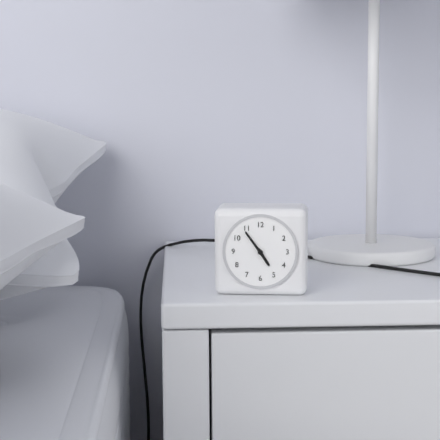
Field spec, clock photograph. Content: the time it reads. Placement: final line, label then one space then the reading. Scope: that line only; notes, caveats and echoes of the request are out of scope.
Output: 4:54
